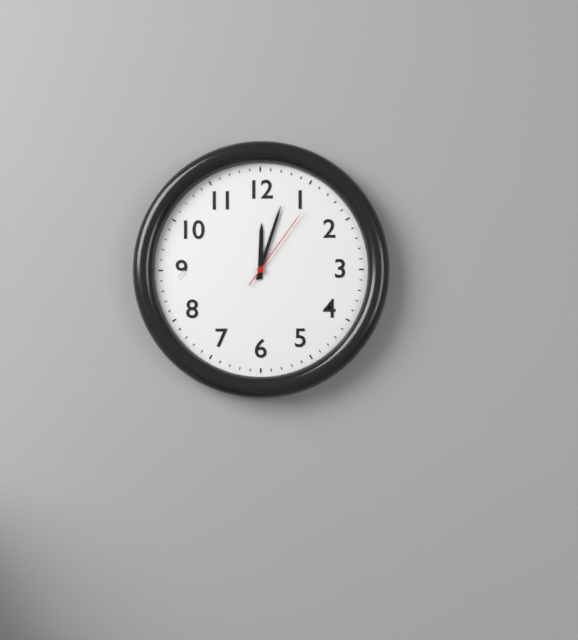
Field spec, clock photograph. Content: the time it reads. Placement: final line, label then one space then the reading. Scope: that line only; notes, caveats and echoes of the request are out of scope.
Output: 12:03:06
